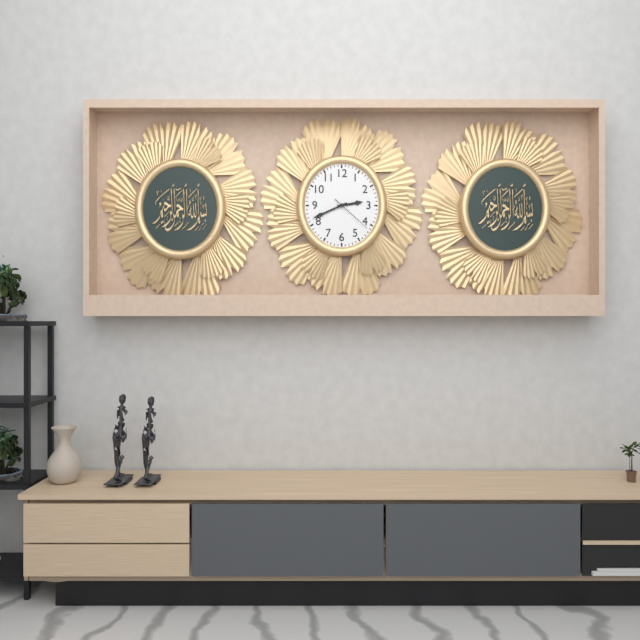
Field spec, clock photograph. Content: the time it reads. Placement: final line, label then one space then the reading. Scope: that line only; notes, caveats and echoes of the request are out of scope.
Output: 2:41
